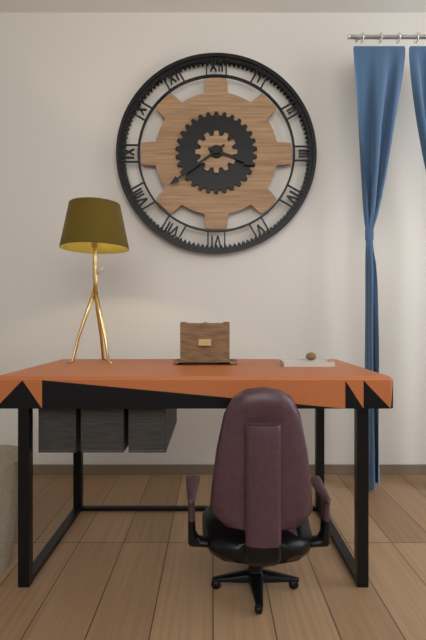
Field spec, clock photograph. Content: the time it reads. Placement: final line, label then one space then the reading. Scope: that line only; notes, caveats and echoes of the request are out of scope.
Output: 3:39
